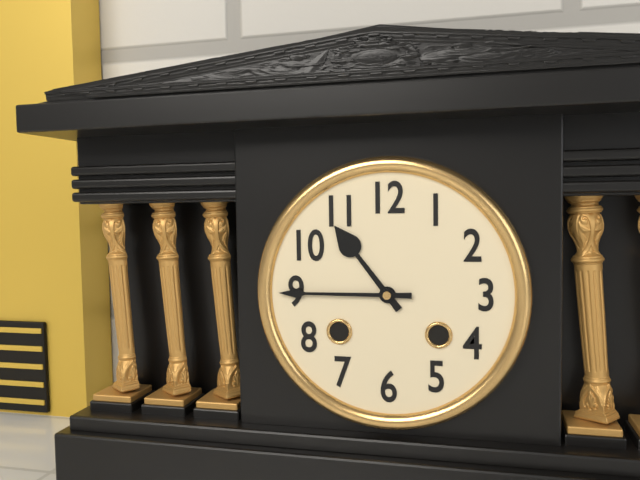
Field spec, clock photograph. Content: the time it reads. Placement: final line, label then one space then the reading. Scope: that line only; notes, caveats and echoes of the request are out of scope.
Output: 10:45
